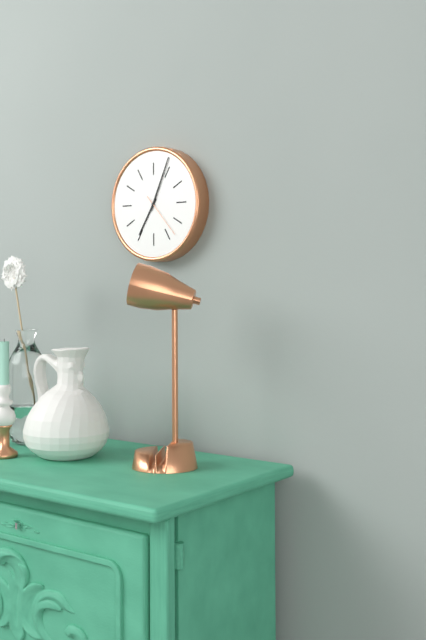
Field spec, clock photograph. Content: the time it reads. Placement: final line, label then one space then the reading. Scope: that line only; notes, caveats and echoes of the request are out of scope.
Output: 7:04
